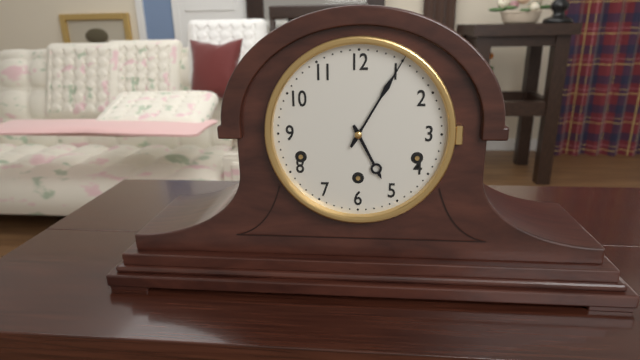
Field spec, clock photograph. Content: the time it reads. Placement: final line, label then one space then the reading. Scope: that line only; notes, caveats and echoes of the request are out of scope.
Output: 5:05
